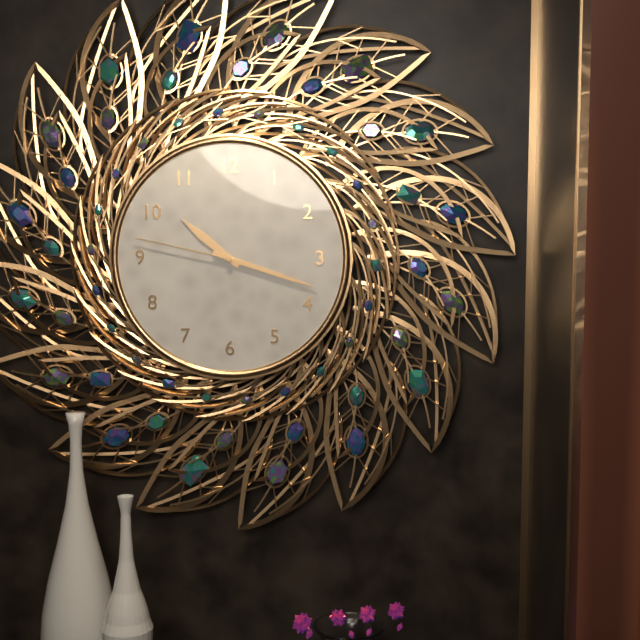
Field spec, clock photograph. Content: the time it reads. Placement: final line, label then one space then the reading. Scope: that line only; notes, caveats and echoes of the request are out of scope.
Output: 10:18:47
